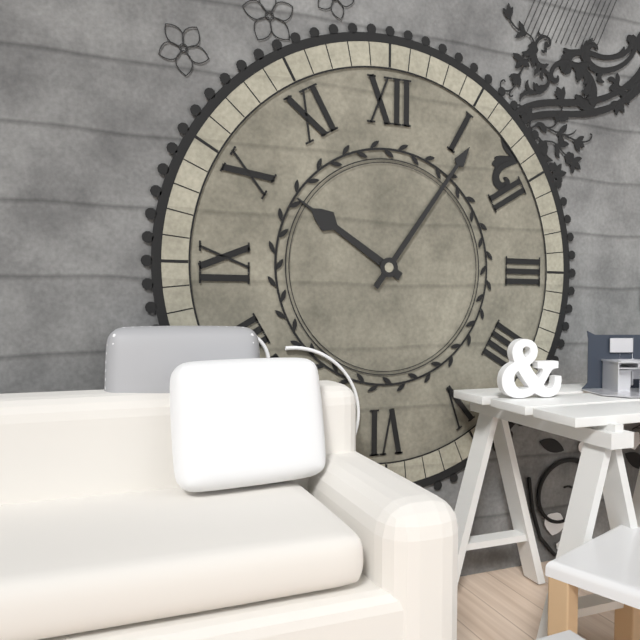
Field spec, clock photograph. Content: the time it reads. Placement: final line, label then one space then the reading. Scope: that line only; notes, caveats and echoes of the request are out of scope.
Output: 10:06
